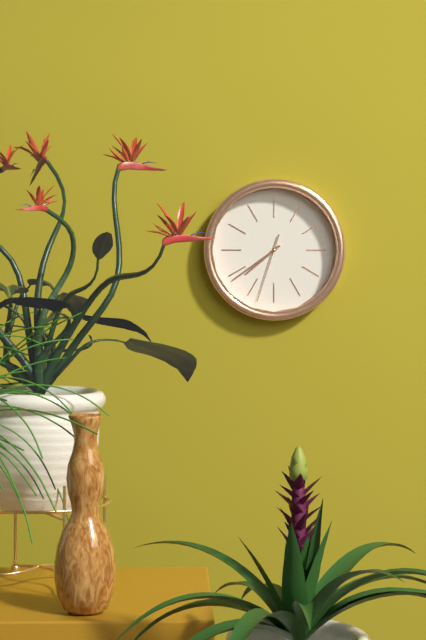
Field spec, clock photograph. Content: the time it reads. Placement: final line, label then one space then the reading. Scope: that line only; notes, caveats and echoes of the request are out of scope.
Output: 7:39:33
